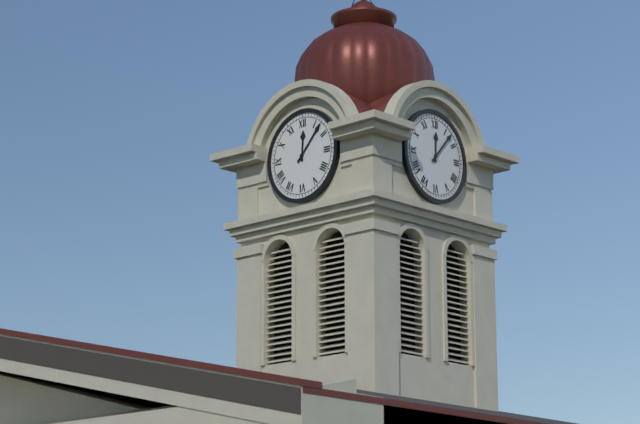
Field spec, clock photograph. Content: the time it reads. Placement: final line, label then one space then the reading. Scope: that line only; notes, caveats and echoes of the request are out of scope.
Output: 12:07
